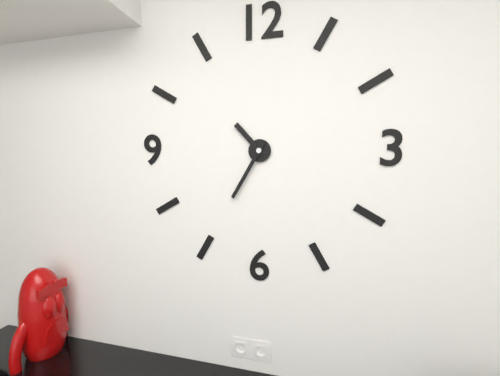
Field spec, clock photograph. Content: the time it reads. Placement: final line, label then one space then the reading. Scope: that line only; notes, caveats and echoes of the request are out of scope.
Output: 10:35
